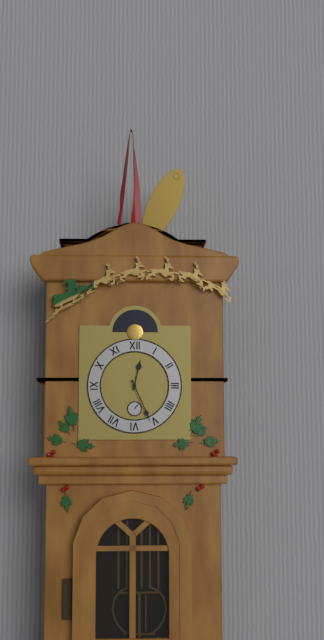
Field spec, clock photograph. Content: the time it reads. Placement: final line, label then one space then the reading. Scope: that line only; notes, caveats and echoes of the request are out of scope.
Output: 12:26
